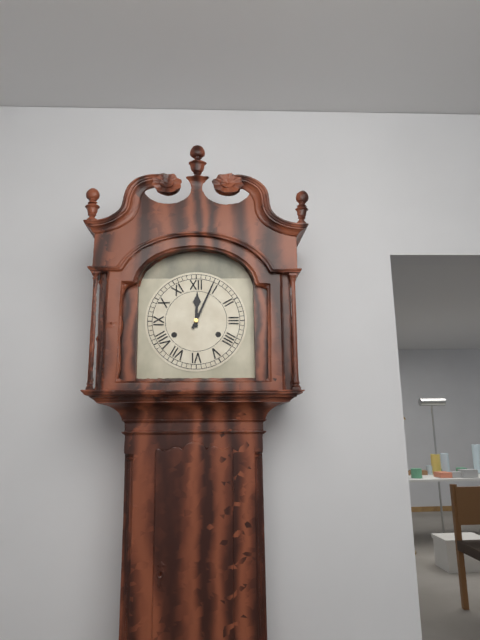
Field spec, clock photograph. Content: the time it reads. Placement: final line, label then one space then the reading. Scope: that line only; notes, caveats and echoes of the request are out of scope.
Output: 12:04
